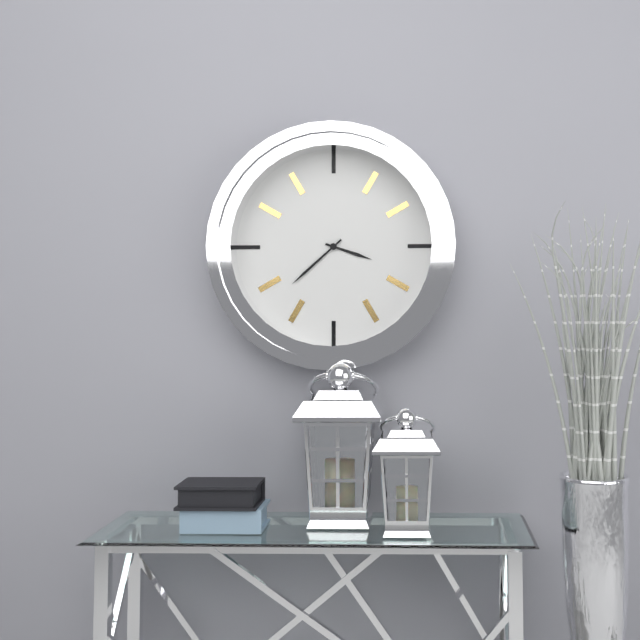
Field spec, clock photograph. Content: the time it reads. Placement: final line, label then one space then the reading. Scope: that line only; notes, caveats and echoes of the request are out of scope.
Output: 3:38
